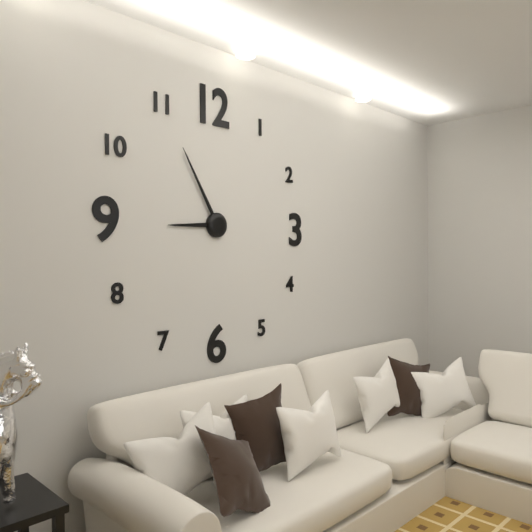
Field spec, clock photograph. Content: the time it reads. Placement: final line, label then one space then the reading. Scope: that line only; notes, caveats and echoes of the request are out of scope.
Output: 8:55
